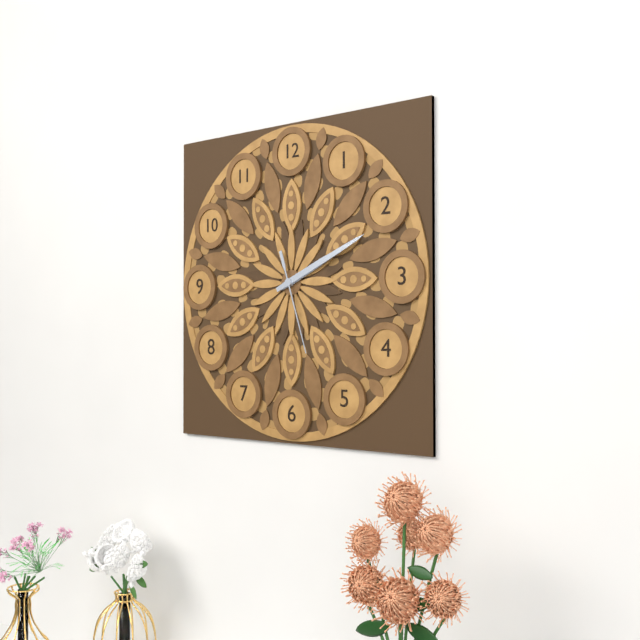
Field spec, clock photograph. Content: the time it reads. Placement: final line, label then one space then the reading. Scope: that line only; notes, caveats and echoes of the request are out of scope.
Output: 2:11:27
